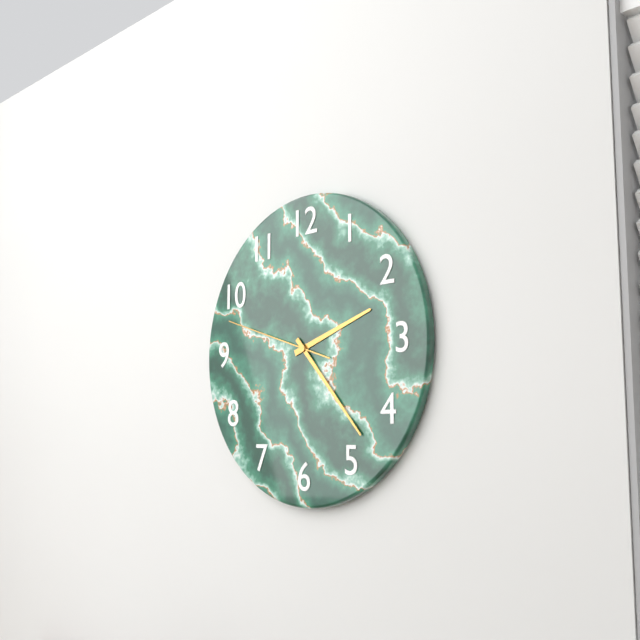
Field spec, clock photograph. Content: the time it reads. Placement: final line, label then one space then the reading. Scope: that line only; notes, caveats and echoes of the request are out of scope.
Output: 2:23:48
